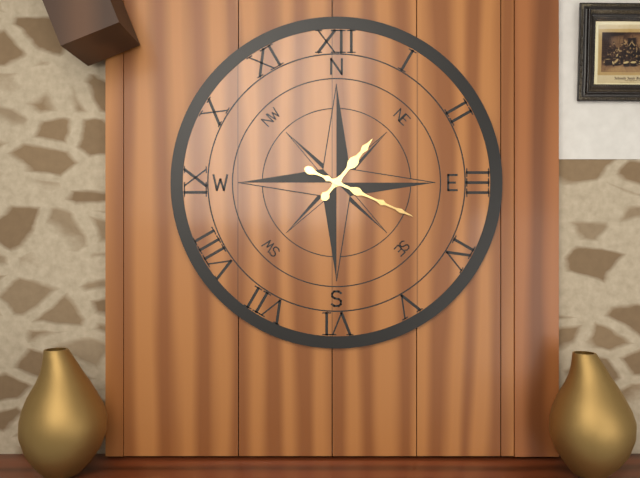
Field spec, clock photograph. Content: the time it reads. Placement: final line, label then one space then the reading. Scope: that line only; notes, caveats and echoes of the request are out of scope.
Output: 1:19
